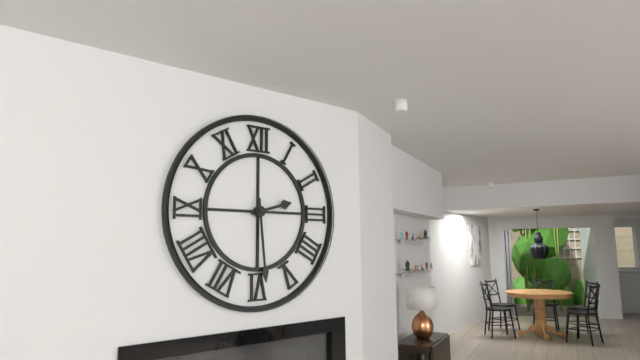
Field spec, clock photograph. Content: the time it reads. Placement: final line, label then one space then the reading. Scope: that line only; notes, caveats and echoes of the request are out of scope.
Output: 2:29
